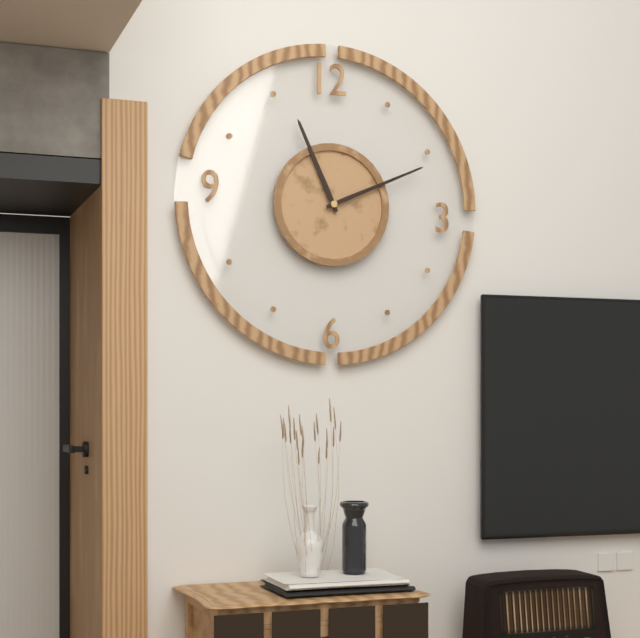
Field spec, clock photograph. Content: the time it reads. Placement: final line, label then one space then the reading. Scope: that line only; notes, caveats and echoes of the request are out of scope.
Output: 11:11
